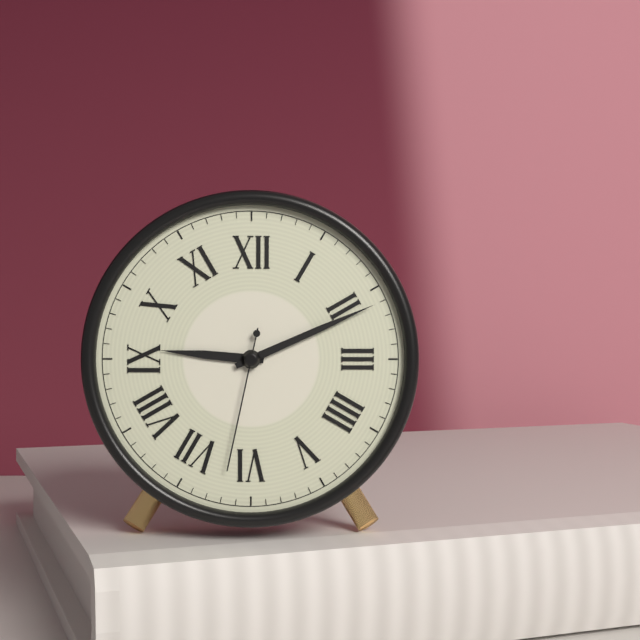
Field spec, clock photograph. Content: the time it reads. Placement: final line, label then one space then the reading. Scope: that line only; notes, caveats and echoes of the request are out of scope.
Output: 9:11:32
